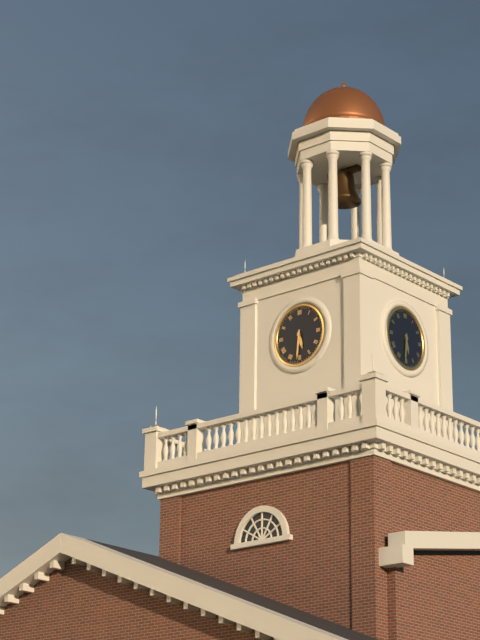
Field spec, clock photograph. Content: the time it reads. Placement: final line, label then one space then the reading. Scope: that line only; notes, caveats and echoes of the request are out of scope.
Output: 5:31
